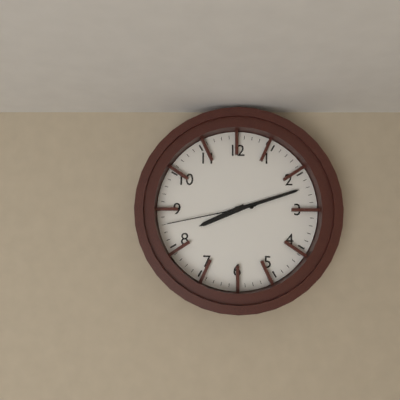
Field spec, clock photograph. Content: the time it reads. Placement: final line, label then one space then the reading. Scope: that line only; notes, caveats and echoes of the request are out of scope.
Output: 8:12:43
